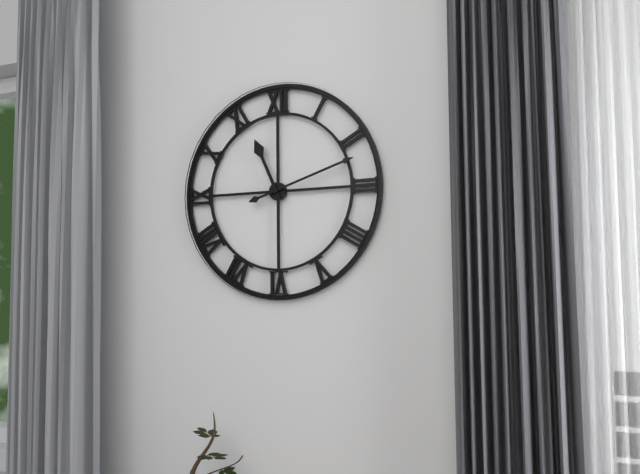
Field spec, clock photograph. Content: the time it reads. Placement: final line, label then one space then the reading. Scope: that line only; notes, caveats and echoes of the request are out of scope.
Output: 11:12
